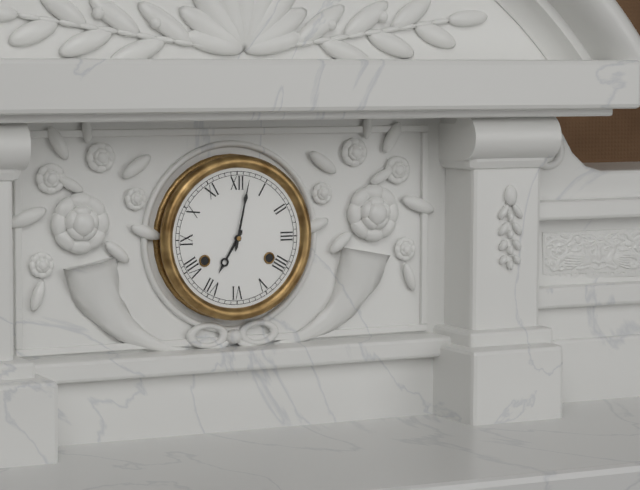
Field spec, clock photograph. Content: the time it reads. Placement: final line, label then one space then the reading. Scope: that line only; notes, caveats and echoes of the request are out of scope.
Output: 7:02
